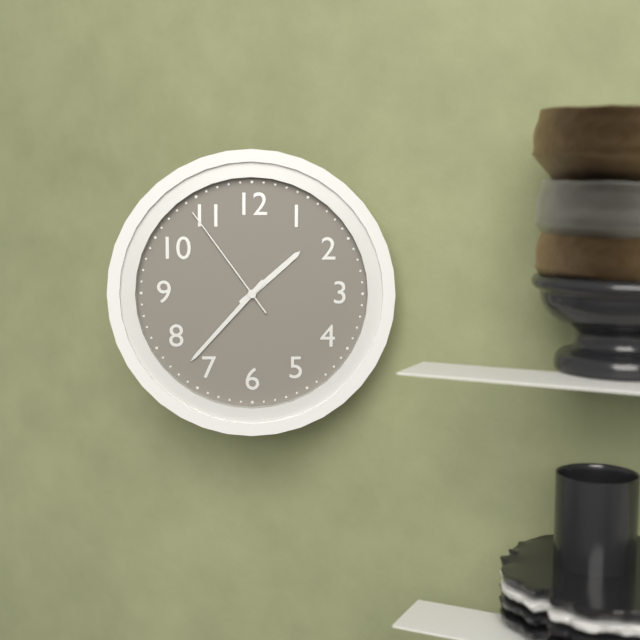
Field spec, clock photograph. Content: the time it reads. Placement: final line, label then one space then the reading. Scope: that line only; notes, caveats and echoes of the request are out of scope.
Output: 1:37:54
